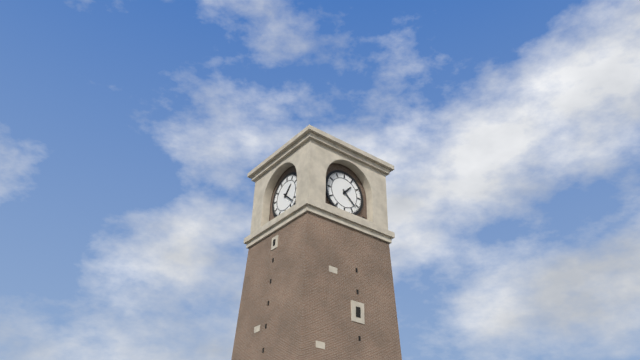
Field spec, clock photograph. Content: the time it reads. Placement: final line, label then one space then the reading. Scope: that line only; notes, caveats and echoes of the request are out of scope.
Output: 1:22
